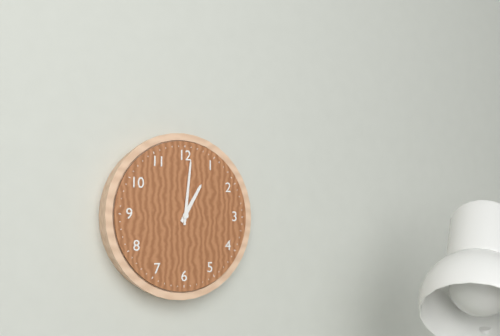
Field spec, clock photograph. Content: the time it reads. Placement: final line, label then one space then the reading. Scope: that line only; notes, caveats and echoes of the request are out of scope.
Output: 1:01
